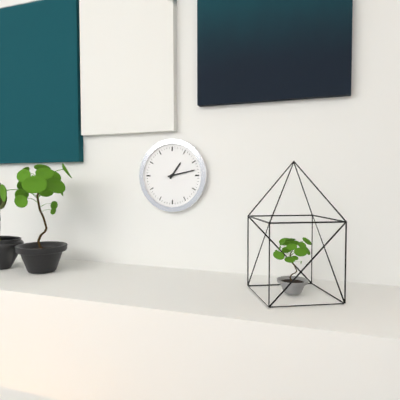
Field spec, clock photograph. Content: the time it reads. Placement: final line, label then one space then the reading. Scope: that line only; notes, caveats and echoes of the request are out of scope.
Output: 1:13
